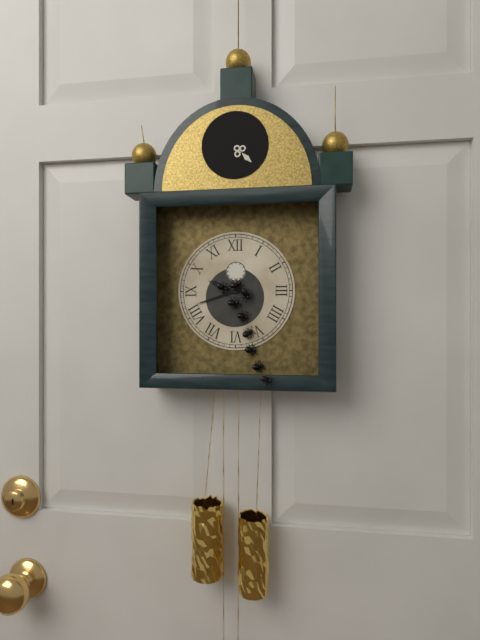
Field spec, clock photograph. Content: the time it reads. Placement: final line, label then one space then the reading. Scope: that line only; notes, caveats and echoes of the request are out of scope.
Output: 9:42
